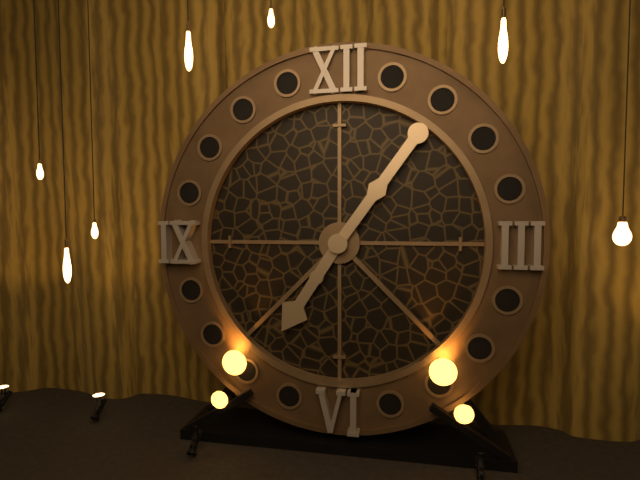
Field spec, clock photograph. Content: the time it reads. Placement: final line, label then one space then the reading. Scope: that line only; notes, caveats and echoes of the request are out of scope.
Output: 7:06
